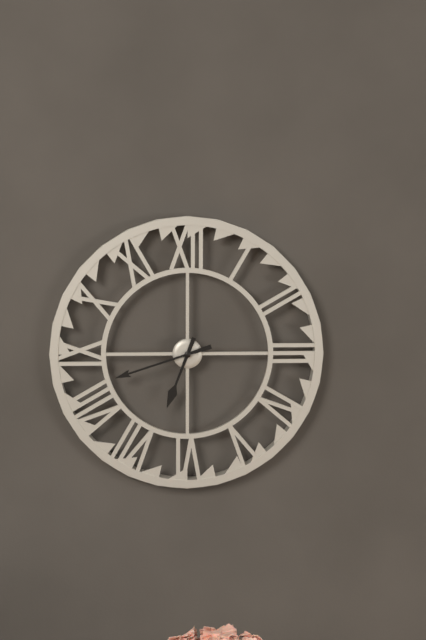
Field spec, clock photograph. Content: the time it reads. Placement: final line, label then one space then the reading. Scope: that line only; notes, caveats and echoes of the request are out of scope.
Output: 6:42
